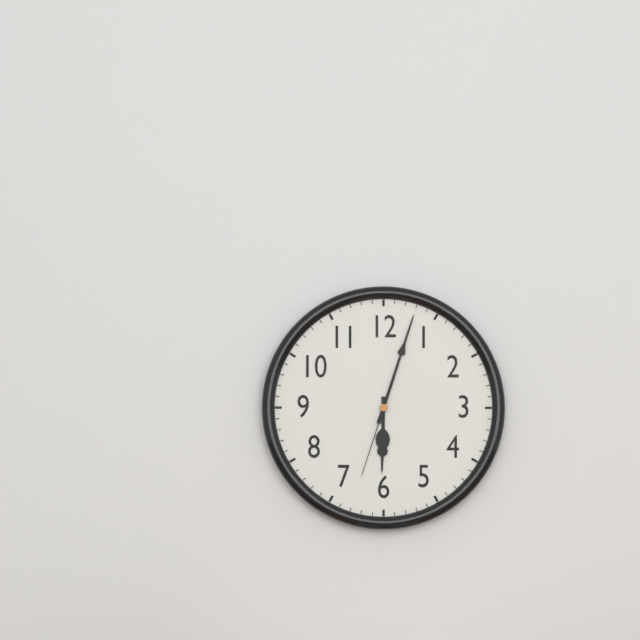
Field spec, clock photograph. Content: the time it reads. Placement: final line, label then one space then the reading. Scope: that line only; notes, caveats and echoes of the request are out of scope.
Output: 6:03:33
